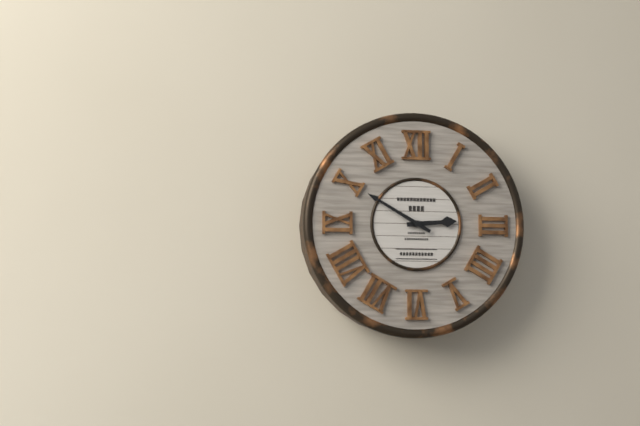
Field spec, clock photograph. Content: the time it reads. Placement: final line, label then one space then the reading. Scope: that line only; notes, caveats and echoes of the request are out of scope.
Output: 2:50
